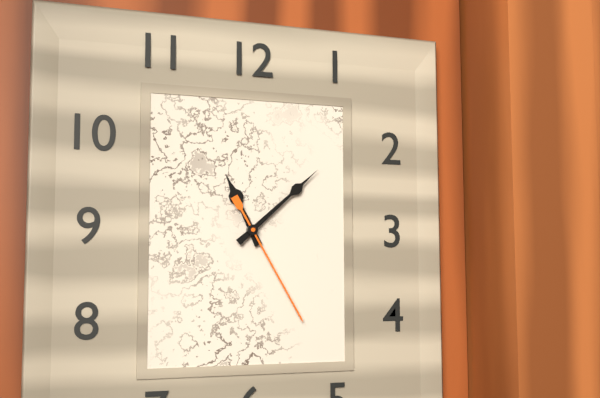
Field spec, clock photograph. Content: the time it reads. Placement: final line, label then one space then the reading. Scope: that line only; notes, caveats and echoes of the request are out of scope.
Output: 11:08:25
